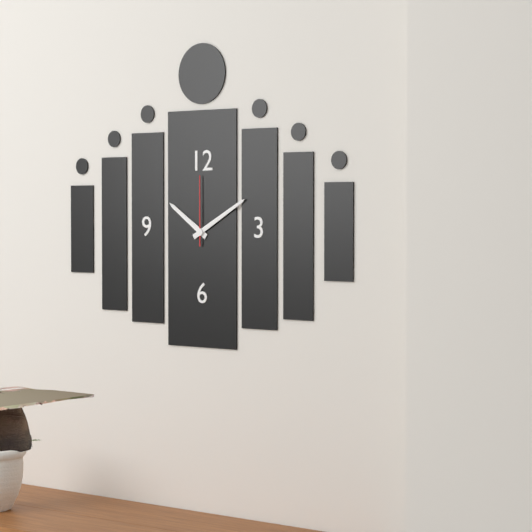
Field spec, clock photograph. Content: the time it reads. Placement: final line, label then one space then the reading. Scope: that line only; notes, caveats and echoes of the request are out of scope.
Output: 10:10:00
